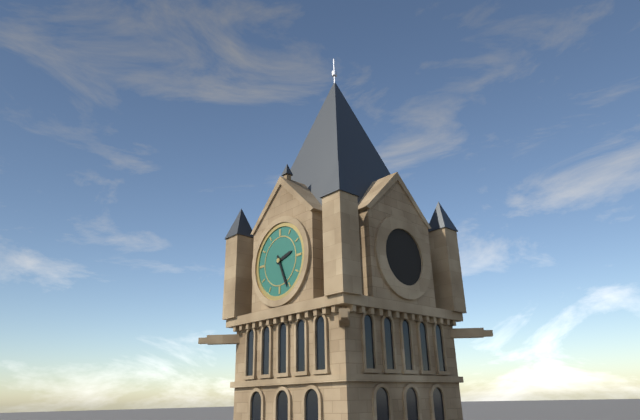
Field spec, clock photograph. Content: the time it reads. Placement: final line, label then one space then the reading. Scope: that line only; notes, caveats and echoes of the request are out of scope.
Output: 2:26
